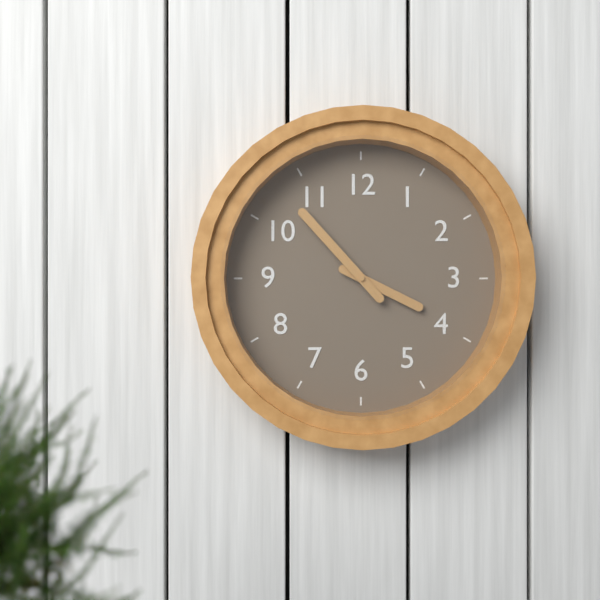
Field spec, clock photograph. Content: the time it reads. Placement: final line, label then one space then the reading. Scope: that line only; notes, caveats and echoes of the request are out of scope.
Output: 3:53
